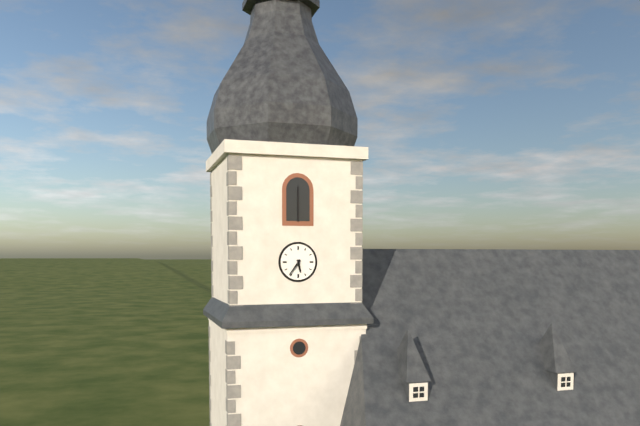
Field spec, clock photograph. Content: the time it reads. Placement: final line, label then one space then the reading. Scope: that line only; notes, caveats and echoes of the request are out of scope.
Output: 5:36
